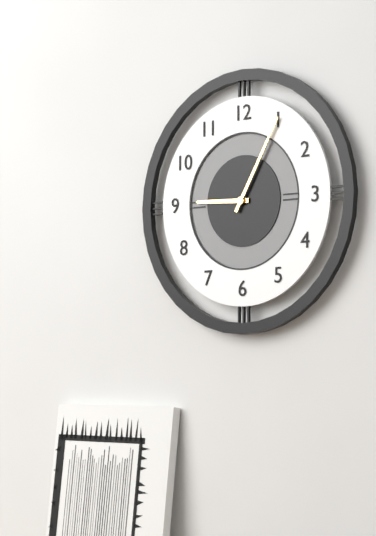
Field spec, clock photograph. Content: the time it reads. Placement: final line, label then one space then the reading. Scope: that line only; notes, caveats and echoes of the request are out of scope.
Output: 9:05
